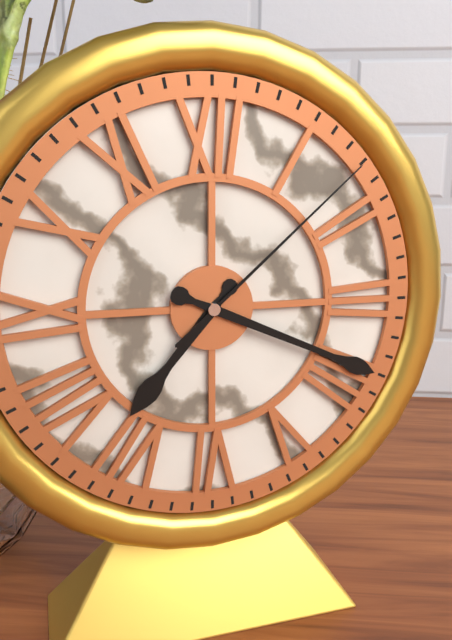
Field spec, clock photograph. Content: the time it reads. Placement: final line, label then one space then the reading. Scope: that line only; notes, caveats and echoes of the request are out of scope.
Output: 7:19:08
